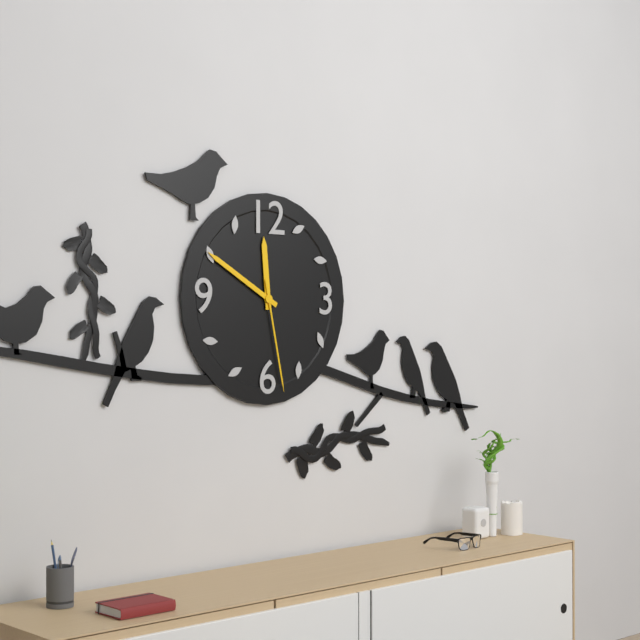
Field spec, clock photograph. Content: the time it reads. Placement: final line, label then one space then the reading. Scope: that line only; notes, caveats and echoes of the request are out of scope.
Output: 11:50:28
